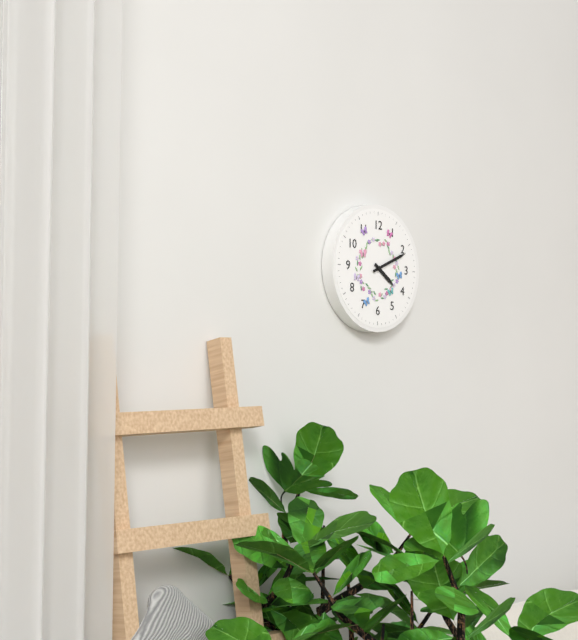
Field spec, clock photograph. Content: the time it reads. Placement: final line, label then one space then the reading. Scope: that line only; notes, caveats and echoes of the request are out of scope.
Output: 4:11
